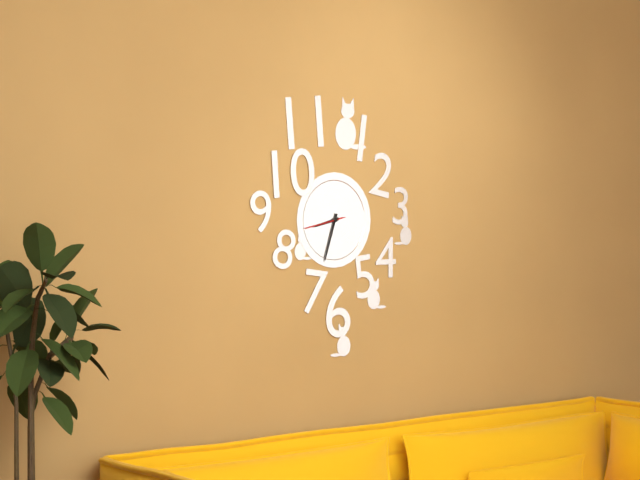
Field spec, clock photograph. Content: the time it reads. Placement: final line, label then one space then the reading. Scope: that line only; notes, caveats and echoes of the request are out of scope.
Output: 8:33
